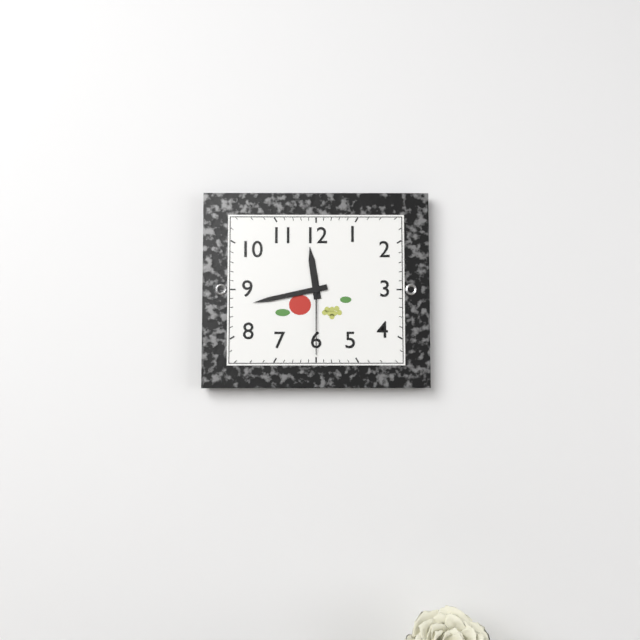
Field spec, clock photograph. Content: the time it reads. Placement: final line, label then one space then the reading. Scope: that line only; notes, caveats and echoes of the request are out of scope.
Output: 11:43:30
